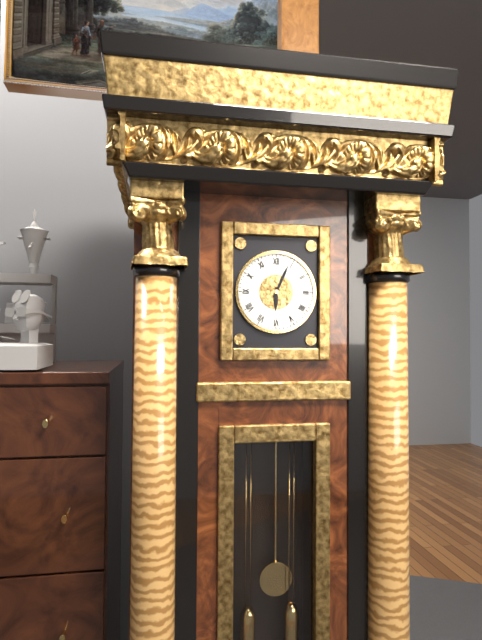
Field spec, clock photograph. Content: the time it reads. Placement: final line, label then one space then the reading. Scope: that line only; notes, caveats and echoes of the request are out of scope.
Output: 6:04
